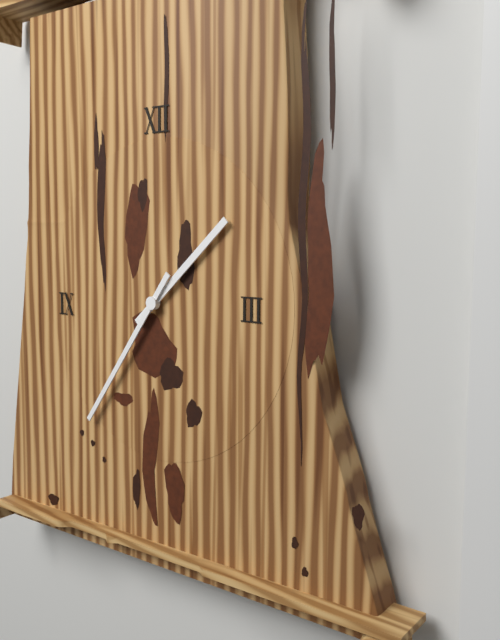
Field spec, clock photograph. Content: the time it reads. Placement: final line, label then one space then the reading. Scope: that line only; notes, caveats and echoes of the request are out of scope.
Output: 1:36
